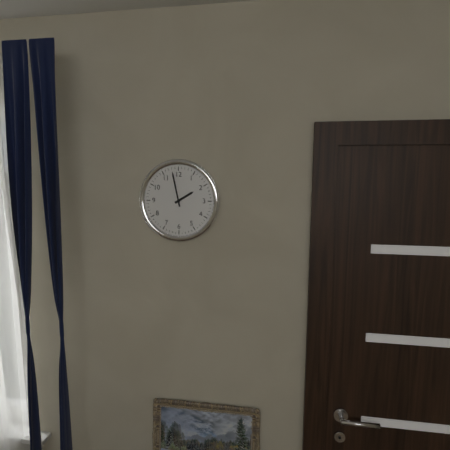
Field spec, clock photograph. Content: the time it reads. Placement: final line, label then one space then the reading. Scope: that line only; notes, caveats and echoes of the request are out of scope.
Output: 1:58
